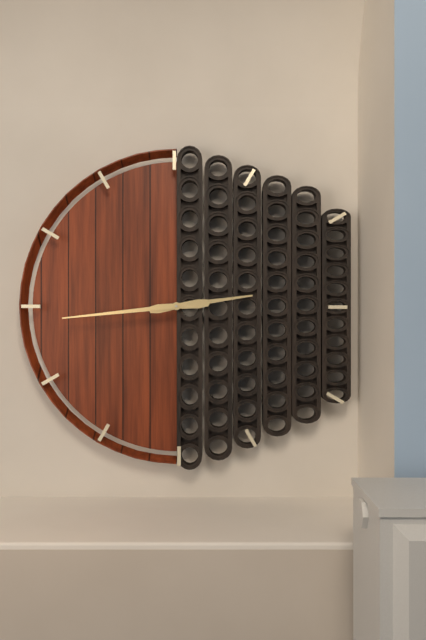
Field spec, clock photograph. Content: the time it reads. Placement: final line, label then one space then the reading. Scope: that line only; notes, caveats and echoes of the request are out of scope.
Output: 2:44
